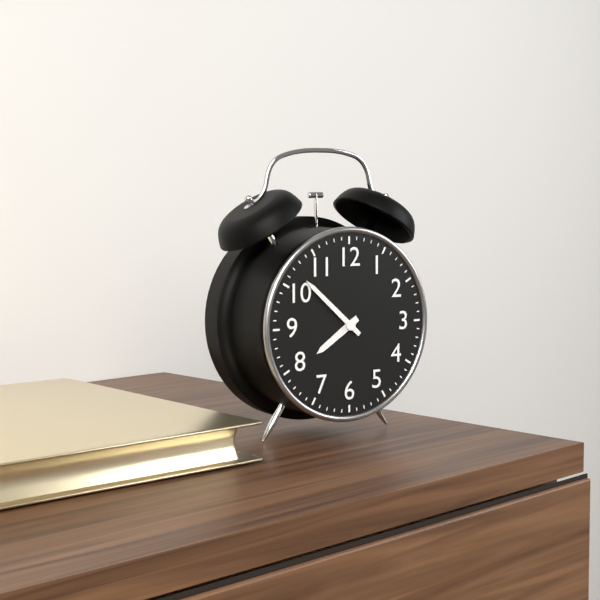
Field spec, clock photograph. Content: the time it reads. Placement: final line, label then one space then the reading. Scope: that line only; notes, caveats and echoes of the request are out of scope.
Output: 7:52
